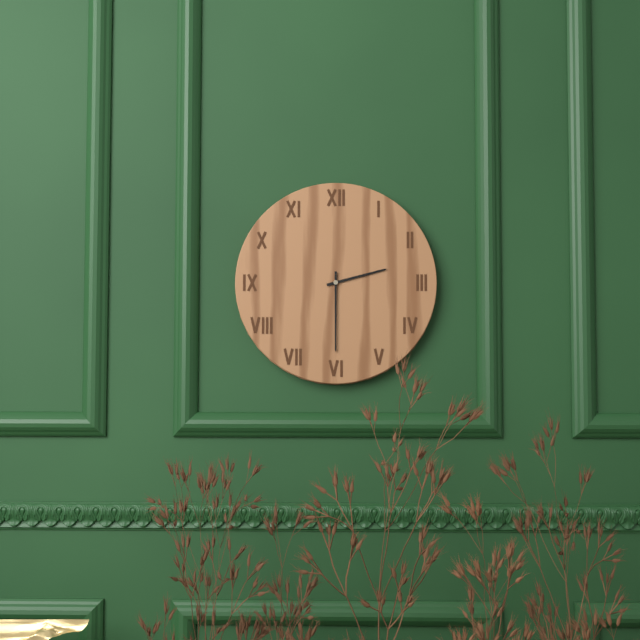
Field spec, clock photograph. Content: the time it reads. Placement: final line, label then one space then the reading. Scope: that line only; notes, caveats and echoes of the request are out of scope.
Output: 2:30
